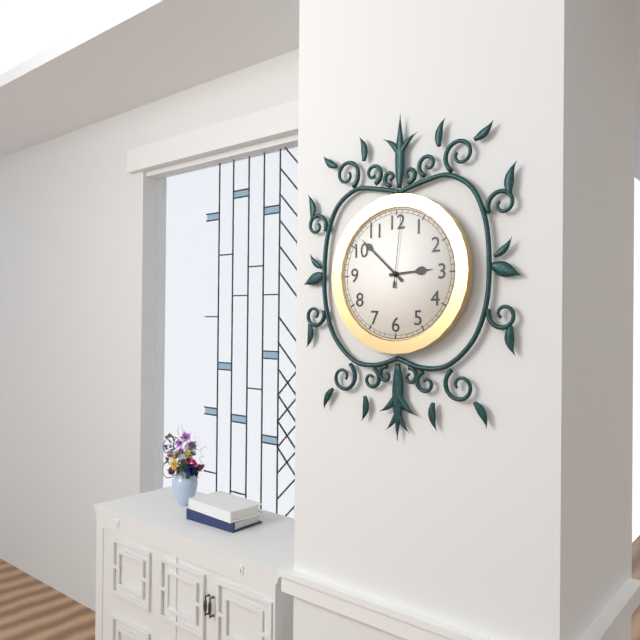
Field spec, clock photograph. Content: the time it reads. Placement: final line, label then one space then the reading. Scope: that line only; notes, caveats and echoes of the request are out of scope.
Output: 2:52:01
